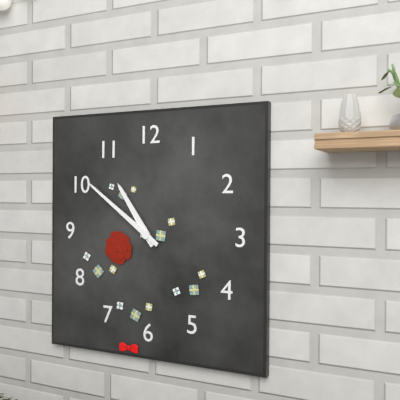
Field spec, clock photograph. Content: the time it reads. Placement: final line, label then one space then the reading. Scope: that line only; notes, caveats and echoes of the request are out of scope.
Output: 10:51
